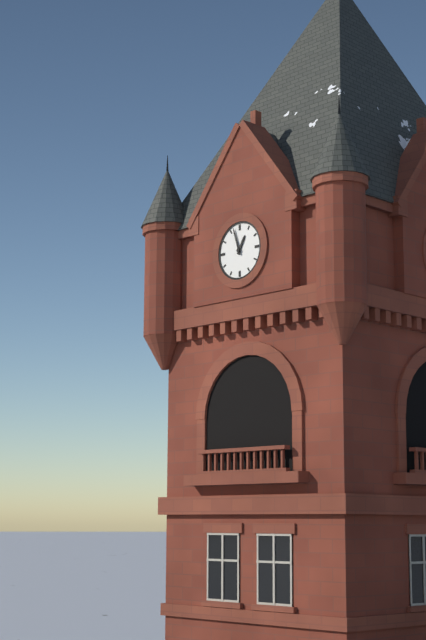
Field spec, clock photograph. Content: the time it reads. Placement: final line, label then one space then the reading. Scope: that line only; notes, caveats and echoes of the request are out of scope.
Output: 12:57
